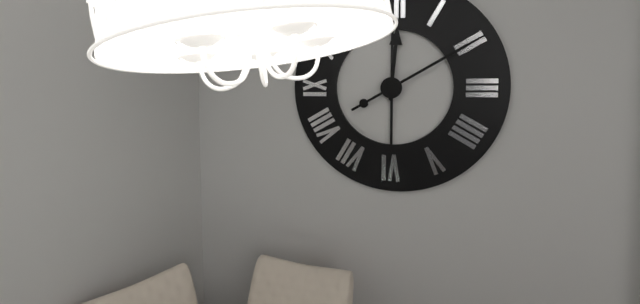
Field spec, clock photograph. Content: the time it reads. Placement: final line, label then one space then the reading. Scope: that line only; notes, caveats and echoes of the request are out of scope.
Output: 12:10
